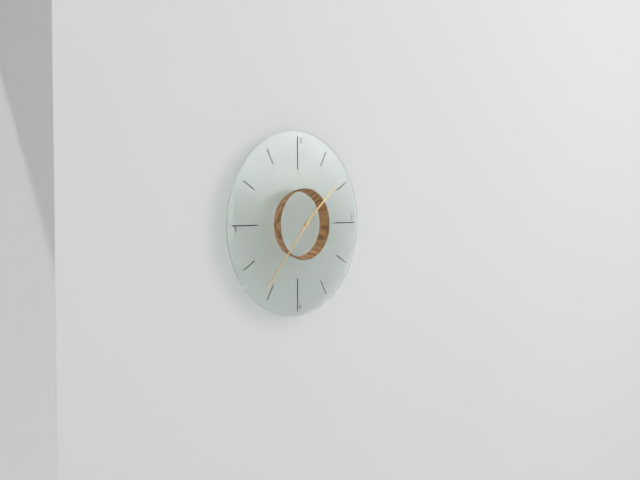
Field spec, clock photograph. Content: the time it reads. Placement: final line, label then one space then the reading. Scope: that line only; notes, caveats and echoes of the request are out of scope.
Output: 1:37
